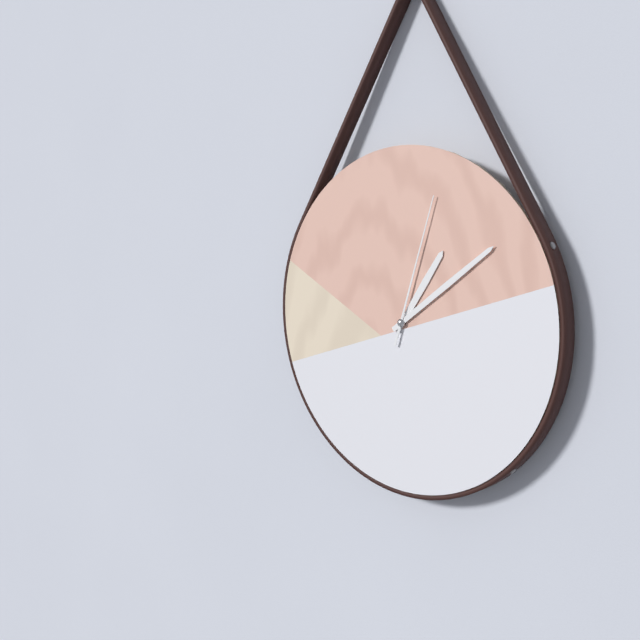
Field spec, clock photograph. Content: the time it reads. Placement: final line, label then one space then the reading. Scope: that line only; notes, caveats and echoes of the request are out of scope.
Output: 1:09:03
